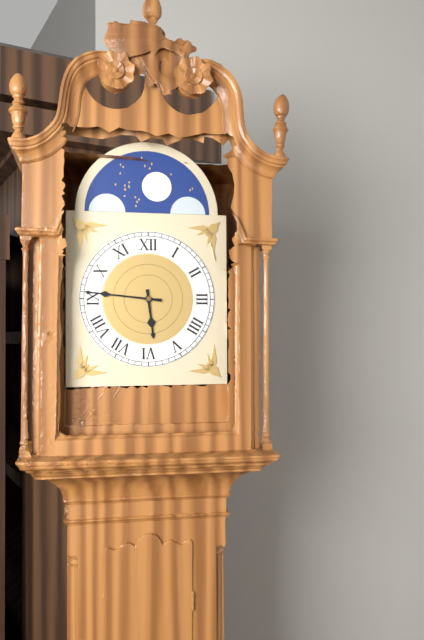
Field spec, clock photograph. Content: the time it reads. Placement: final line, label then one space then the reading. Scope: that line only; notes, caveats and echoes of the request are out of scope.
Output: 5:46
